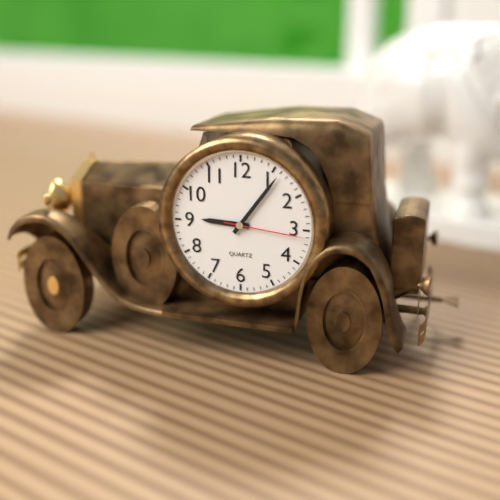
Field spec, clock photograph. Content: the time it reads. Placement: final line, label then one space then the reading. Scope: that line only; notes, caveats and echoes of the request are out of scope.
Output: 9:06:16
